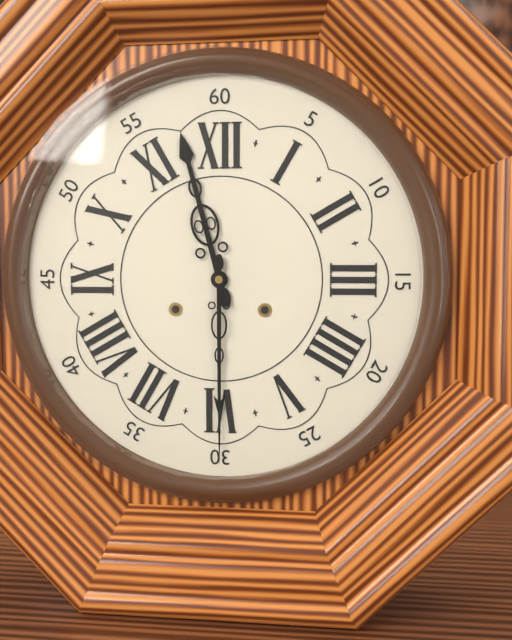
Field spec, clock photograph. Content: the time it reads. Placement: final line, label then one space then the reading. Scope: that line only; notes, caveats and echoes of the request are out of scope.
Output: 11:30
